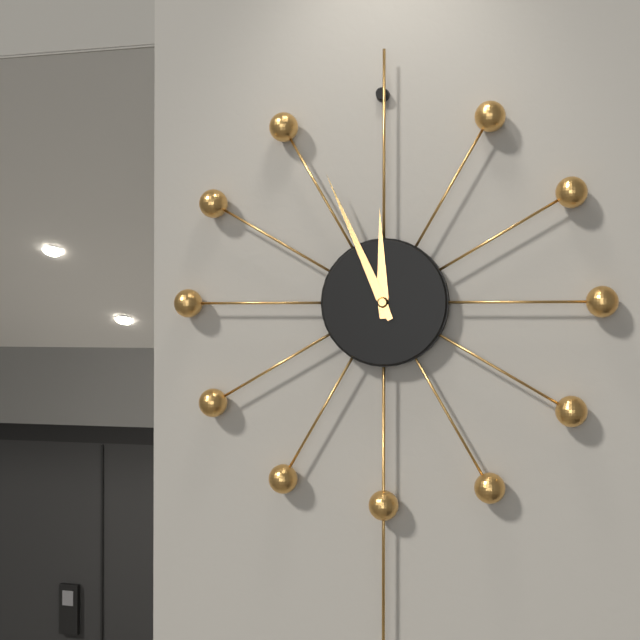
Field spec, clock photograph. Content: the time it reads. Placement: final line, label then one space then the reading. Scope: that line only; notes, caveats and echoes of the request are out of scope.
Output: 11:56
